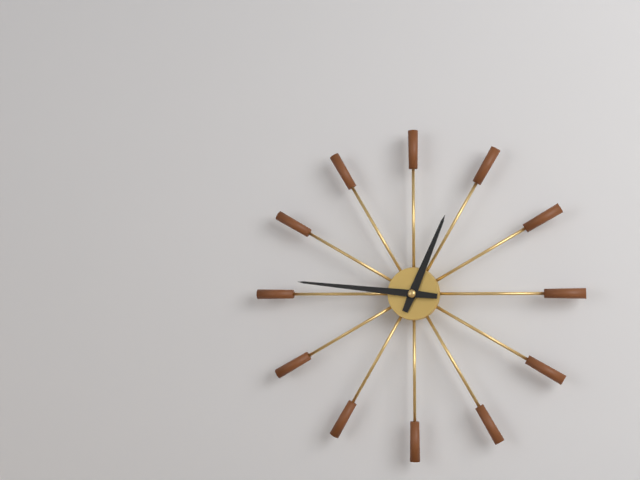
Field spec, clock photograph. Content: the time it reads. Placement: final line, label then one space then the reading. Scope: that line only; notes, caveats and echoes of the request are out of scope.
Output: 12:46
